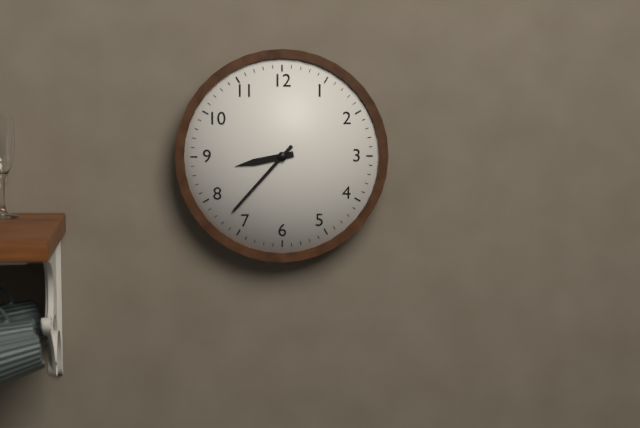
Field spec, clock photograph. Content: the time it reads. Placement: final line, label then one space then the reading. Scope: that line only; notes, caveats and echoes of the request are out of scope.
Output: 8:37
